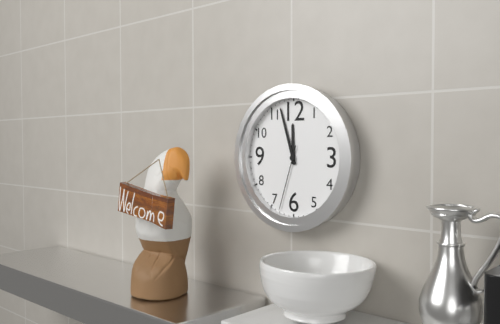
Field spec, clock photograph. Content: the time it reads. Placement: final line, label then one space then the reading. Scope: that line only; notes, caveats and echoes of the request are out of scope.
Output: 11:57:33
